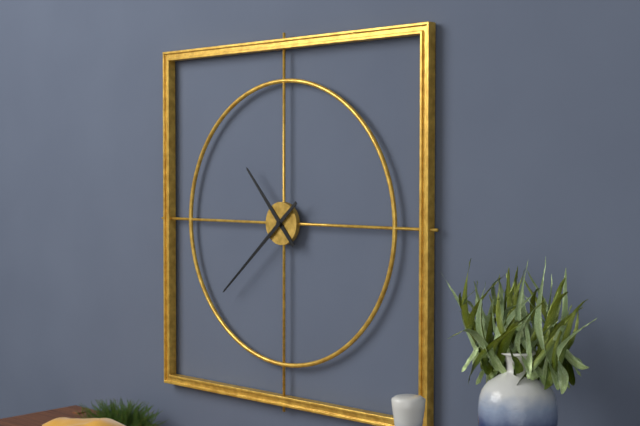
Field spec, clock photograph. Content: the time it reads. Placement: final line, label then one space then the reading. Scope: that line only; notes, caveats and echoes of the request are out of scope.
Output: 10:38
